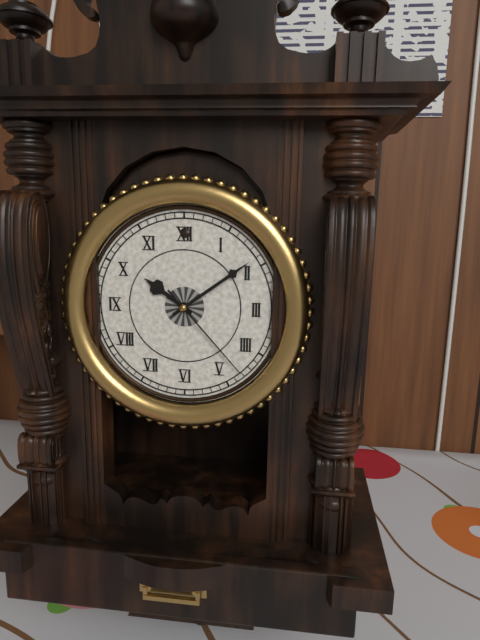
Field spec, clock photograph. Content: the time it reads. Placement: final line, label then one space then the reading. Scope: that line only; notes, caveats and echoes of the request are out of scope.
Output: 10:09:23
